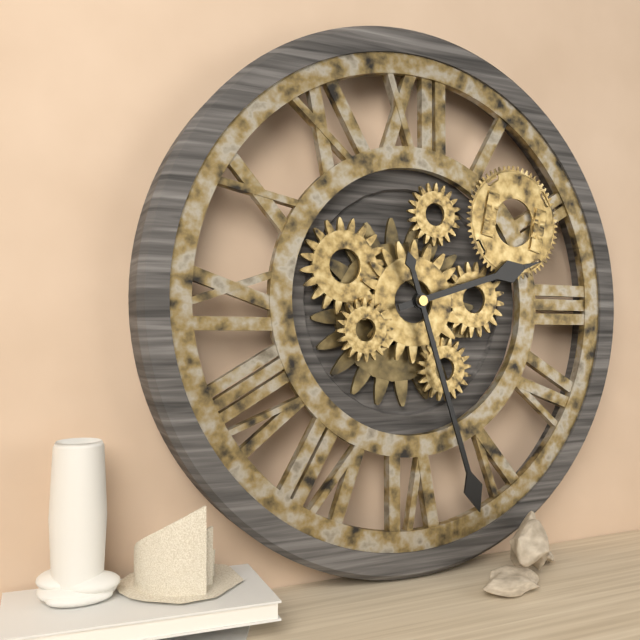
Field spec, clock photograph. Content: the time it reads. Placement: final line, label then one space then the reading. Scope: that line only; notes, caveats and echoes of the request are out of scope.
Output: 2:27
